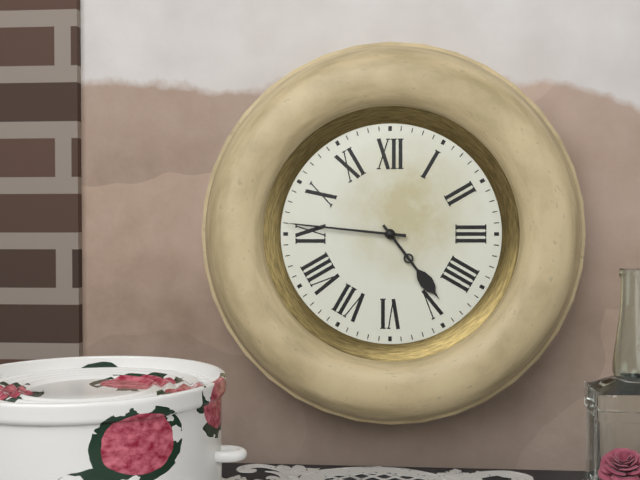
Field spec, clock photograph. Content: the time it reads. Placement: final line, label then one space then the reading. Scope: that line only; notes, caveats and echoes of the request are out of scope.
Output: 4:46
